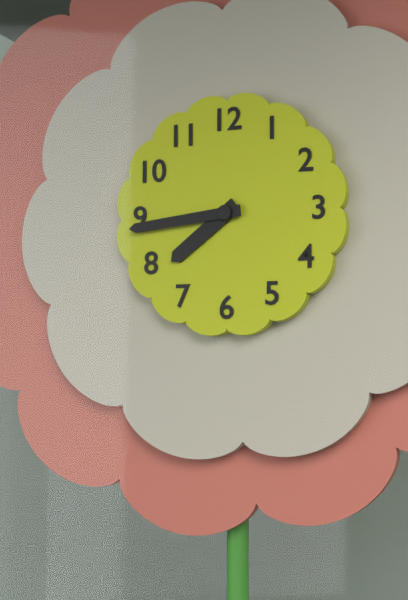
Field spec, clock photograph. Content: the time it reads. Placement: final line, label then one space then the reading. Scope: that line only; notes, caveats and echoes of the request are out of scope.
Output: 7:44
